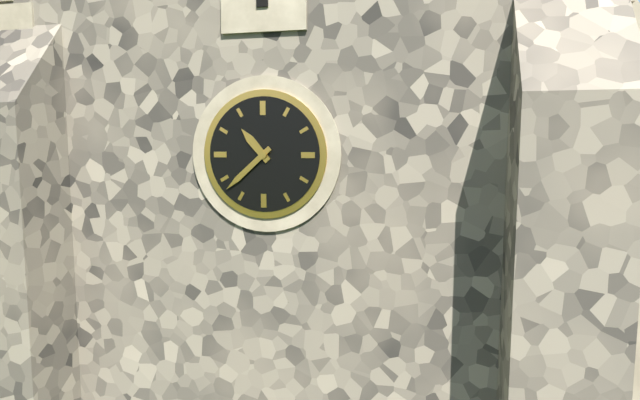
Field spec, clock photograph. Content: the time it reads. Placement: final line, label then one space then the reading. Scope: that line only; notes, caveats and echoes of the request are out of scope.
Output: 10:38
